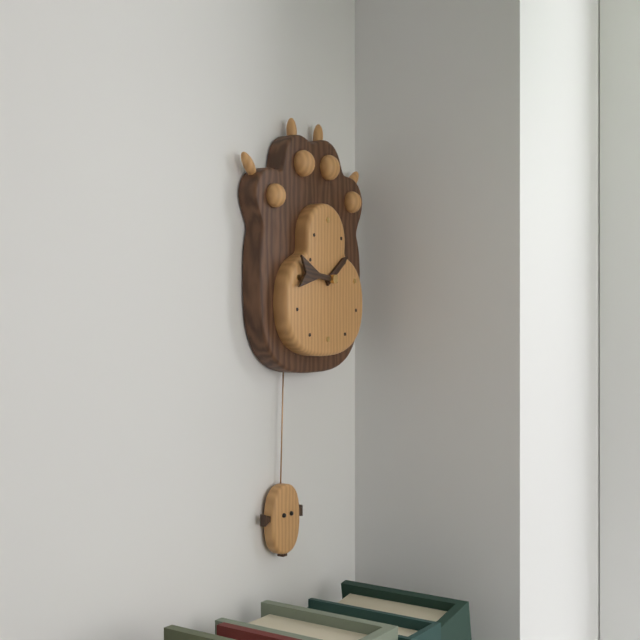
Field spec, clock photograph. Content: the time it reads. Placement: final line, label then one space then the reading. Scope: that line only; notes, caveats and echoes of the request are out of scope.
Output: 1:46
